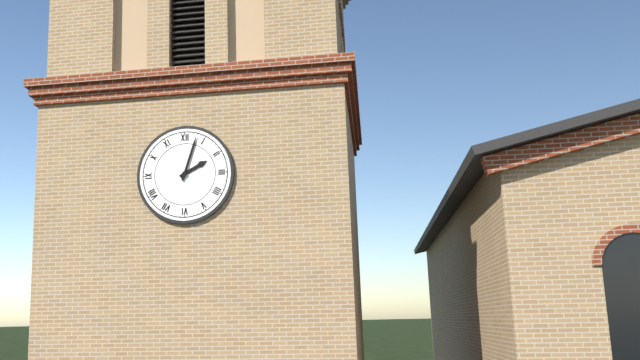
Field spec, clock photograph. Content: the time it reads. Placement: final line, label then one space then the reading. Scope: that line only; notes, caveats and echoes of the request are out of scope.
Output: 2:03
